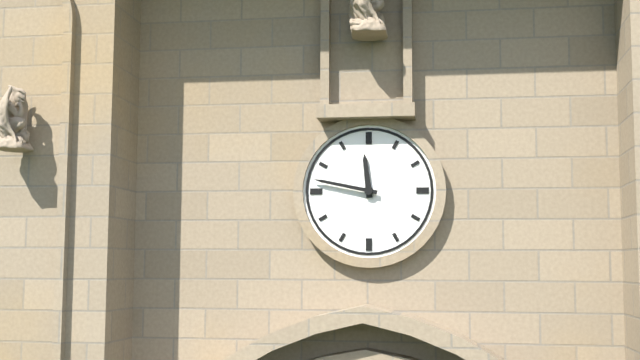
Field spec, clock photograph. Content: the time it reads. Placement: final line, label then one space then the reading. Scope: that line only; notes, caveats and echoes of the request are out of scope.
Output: 11:47
